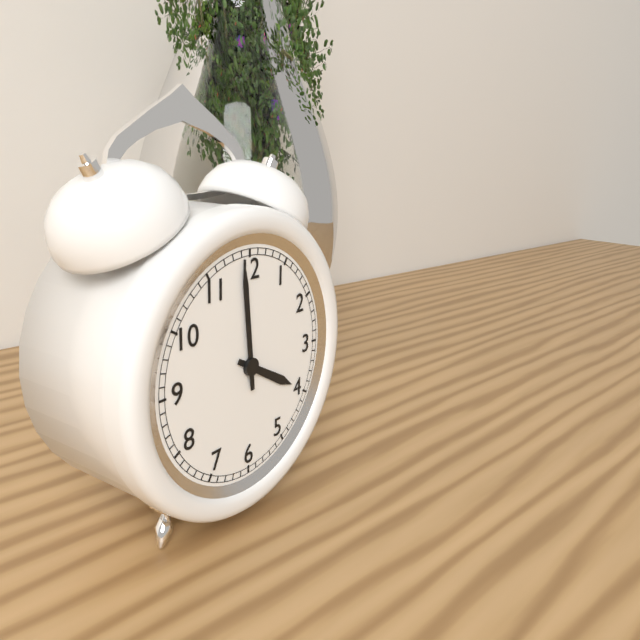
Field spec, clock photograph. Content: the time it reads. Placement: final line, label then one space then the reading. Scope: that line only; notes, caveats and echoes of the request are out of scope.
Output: 3:59
